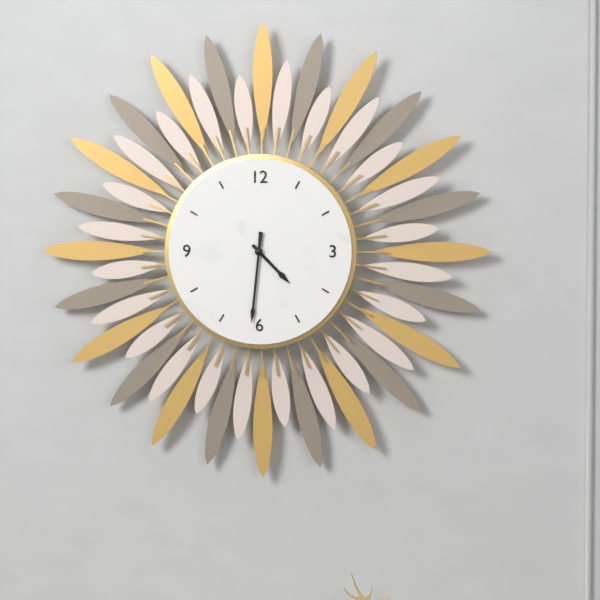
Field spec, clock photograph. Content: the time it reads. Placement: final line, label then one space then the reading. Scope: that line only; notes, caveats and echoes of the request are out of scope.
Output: 4:31
